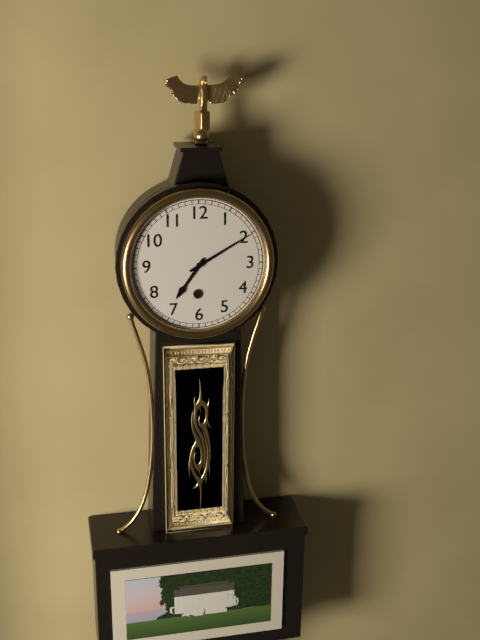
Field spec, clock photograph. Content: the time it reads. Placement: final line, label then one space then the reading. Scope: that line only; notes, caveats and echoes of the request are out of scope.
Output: 7:10
